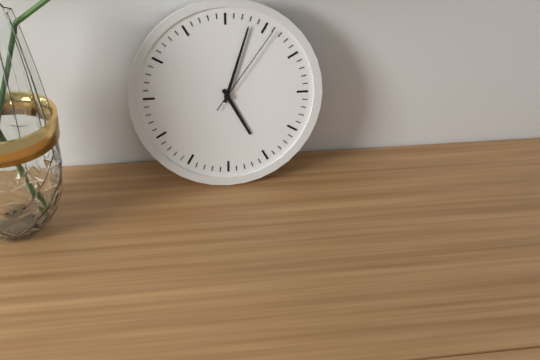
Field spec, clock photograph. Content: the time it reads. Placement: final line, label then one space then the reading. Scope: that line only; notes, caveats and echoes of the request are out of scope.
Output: 5:03:06
